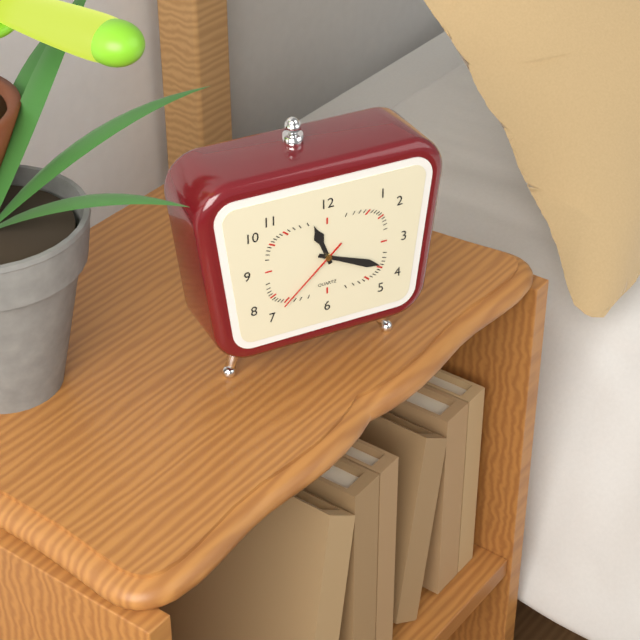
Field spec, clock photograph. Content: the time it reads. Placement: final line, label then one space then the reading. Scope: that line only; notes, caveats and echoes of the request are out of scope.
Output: 11:19:38
